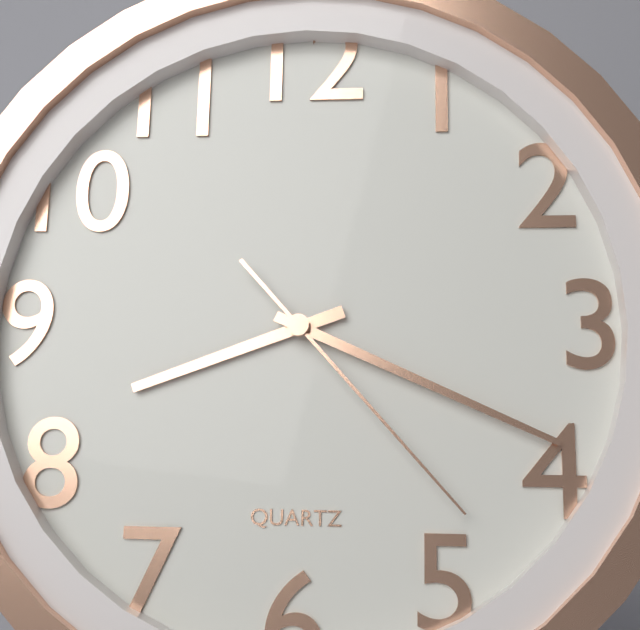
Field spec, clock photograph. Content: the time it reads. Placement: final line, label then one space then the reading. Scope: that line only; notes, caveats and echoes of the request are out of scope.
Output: 8:19:23
